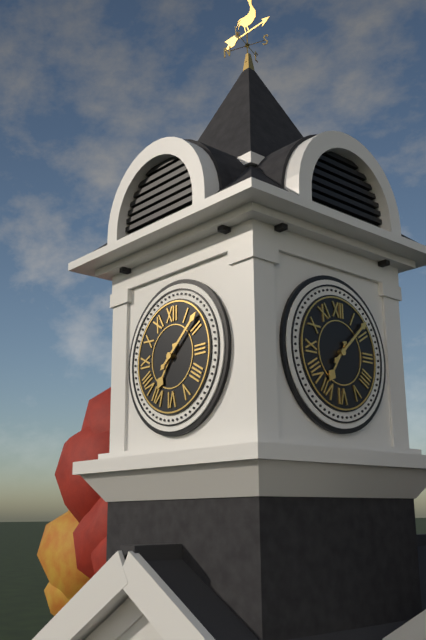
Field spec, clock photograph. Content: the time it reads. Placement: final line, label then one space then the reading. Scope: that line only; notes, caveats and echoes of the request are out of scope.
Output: 7:08
